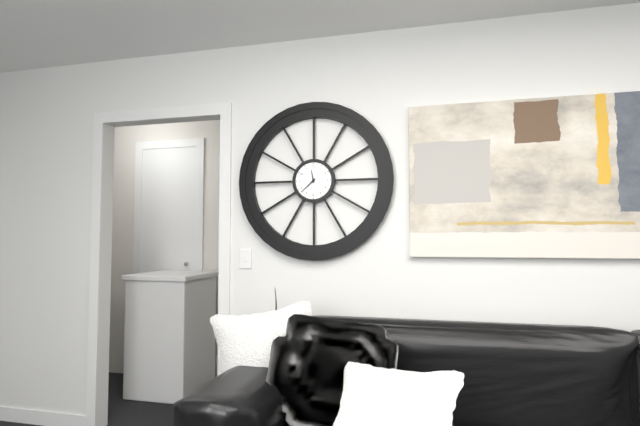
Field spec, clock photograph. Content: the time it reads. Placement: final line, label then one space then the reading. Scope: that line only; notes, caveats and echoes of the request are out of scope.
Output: 11:38
